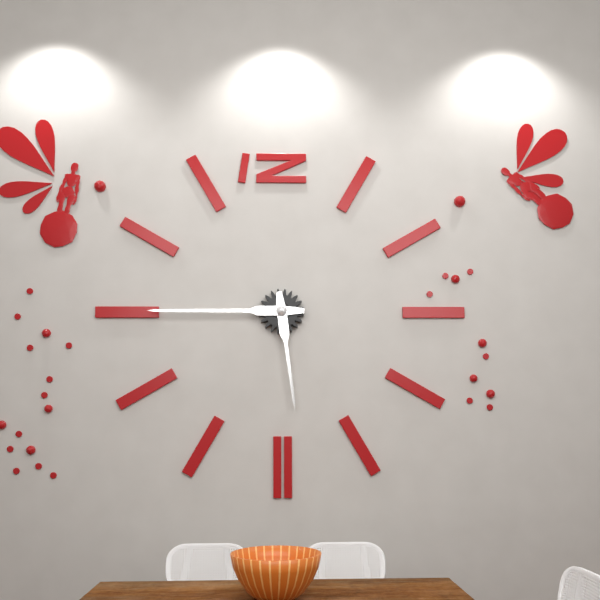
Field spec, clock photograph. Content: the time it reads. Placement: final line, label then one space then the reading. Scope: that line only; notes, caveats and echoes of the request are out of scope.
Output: 5:45
